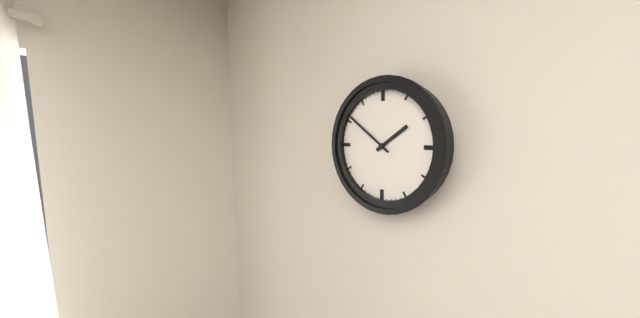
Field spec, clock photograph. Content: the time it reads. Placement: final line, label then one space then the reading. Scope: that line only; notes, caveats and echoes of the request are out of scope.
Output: 1:51
